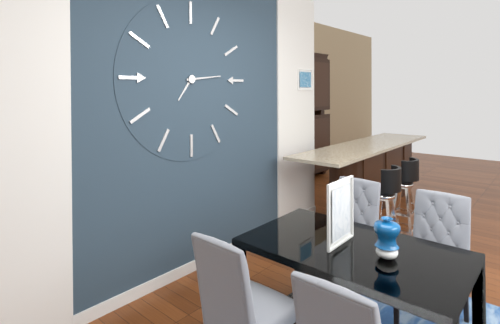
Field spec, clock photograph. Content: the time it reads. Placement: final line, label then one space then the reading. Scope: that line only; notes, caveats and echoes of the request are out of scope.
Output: 7:14
